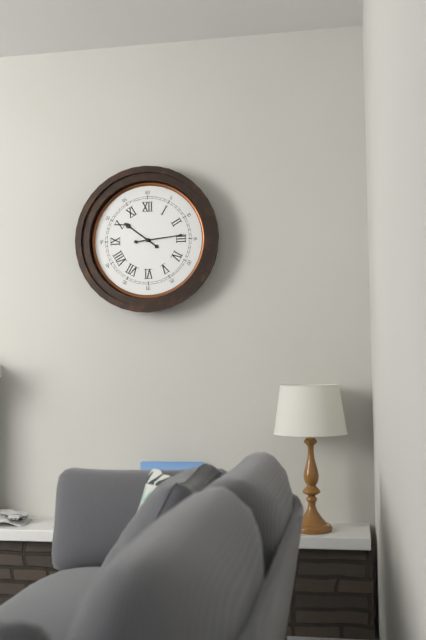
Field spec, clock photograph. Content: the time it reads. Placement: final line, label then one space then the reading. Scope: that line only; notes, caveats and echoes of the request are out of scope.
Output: 10:14
